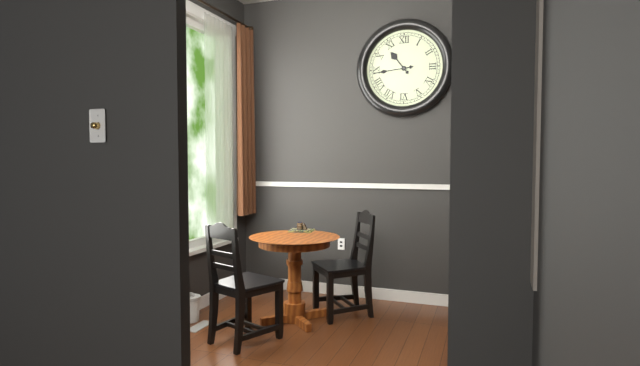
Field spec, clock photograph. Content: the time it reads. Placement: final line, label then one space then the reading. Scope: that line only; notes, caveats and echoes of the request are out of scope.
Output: 10:44
